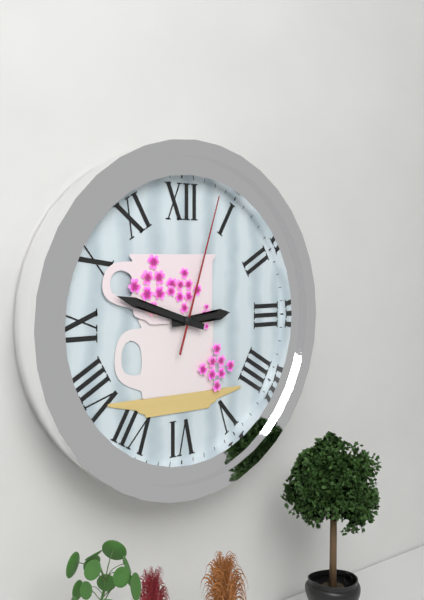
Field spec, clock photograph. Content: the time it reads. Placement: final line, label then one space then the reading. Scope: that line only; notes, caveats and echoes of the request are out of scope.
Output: 2:48:03
